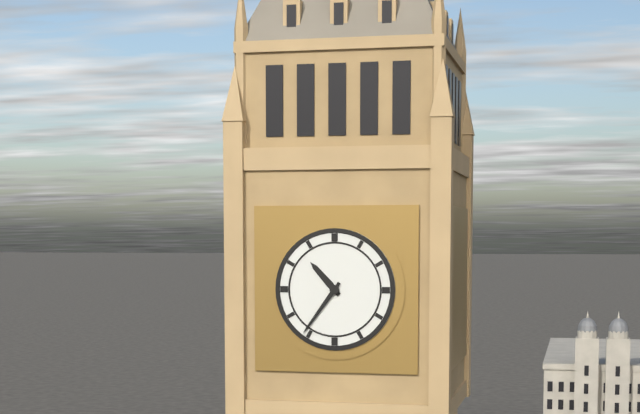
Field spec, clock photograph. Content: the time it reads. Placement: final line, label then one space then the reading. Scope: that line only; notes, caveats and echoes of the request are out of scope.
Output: 10:36
